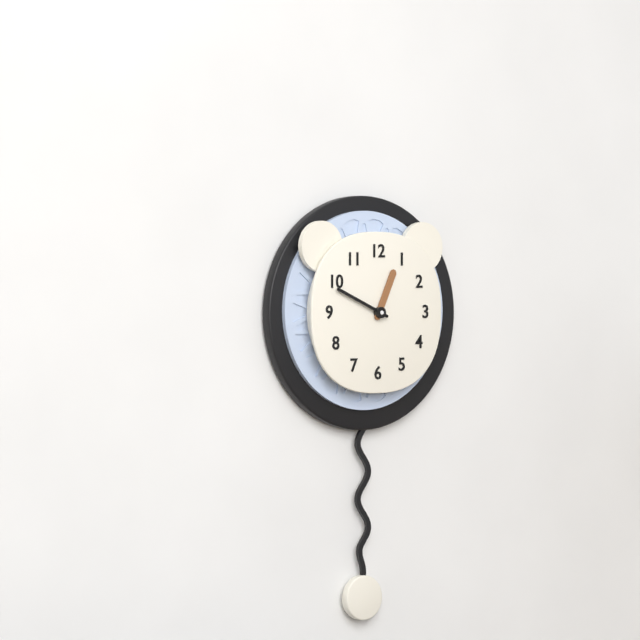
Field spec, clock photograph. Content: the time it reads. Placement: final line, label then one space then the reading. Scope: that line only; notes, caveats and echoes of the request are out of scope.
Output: 12:49
